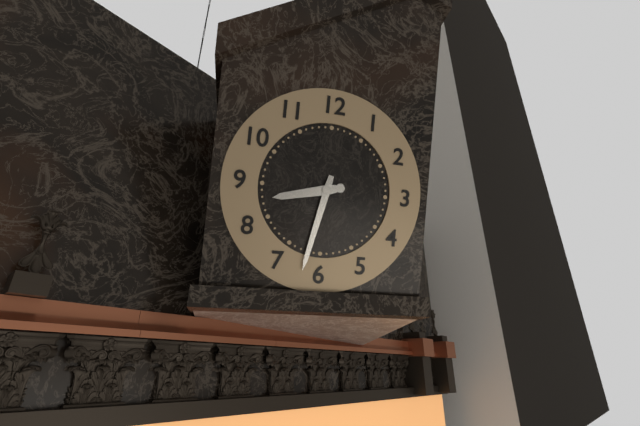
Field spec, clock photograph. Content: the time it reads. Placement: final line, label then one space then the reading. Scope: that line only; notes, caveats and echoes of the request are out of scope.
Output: 8:32
